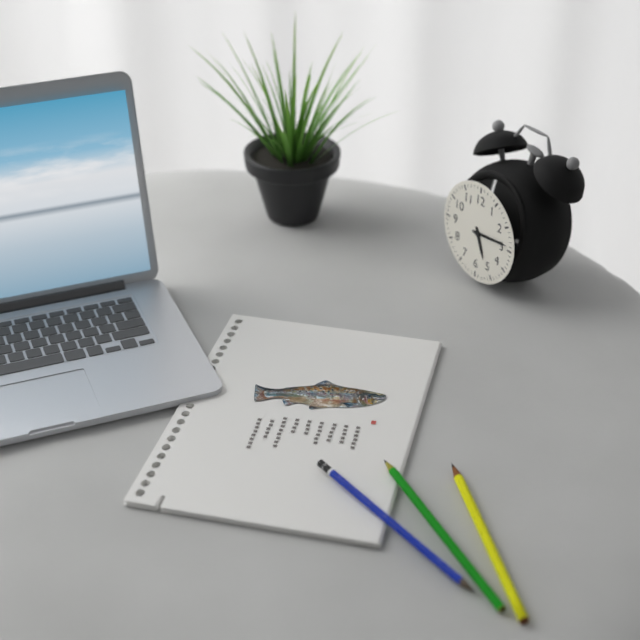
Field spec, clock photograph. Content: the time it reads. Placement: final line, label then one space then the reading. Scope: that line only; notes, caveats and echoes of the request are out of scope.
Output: 5:14
